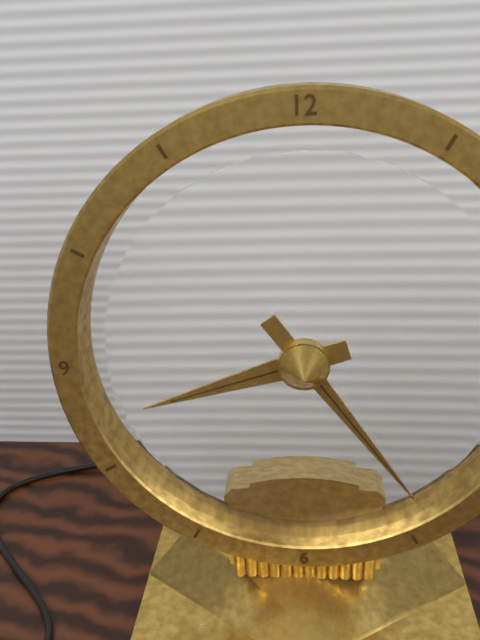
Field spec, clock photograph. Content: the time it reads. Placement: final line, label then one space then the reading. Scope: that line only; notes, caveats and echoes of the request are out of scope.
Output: 8:24
